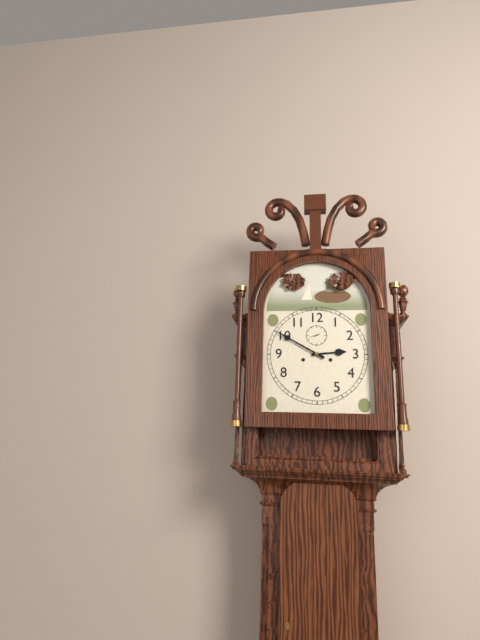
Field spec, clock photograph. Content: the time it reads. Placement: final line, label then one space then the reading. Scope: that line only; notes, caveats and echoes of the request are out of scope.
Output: 2:50
